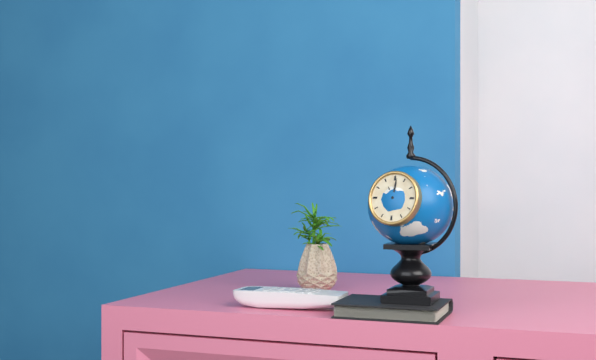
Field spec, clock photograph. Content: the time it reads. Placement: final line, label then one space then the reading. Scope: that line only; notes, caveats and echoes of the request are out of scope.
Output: 11:01
